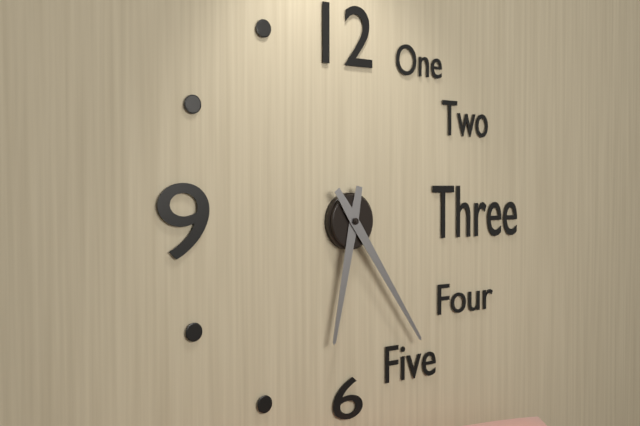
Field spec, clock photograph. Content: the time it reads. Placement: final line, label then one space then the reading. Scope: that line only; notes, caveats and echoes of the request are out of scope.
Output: 6:24
